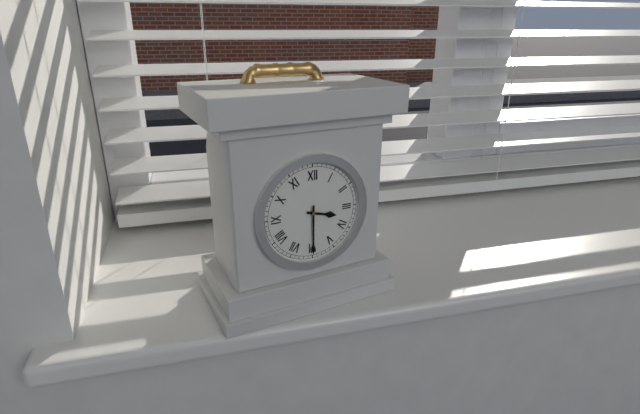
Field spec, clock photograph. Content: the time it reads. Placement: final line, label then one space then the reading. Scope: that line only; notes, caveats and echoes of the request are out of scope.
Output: 3:30
